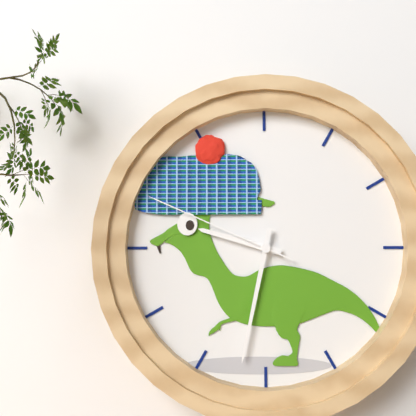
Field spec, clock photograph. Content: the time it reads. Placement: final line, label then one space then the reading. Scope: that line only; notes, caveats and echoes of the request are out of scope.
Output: 9:32:49
